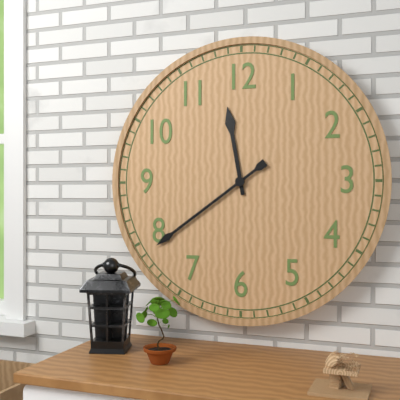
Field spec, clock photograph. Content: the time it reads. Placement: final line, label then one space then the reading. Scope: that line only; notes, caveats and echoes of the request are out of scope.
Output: 11:39
